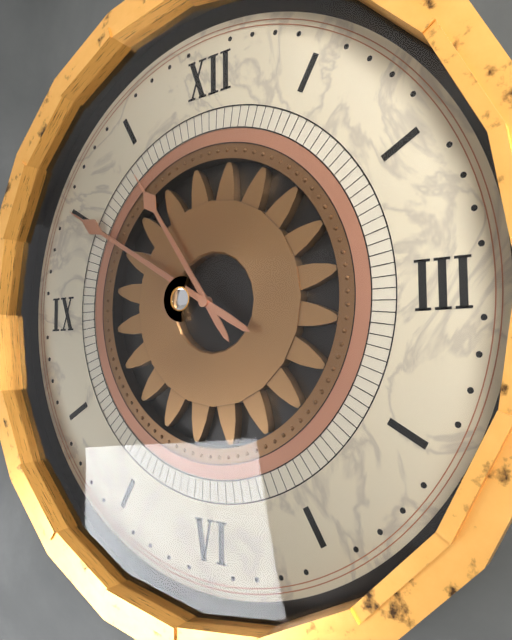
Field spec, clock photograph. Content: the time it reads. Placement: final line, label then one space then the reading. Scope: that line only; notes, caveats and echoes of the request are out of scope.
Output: 10:50
